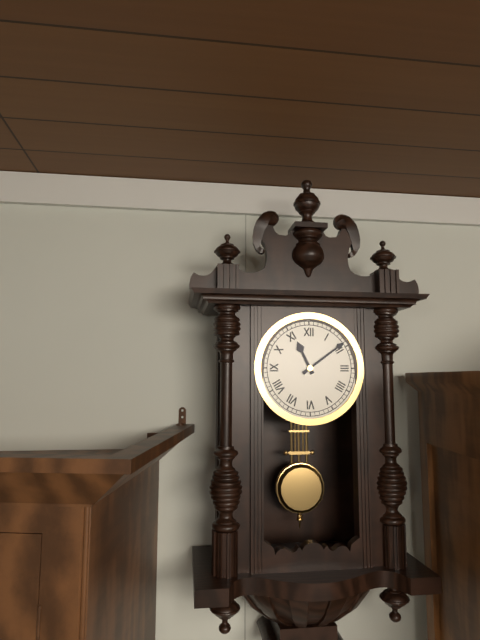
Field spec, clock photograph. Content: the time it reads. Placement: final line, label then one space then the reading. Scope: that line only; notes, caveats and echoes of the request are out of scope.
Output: 11:09
